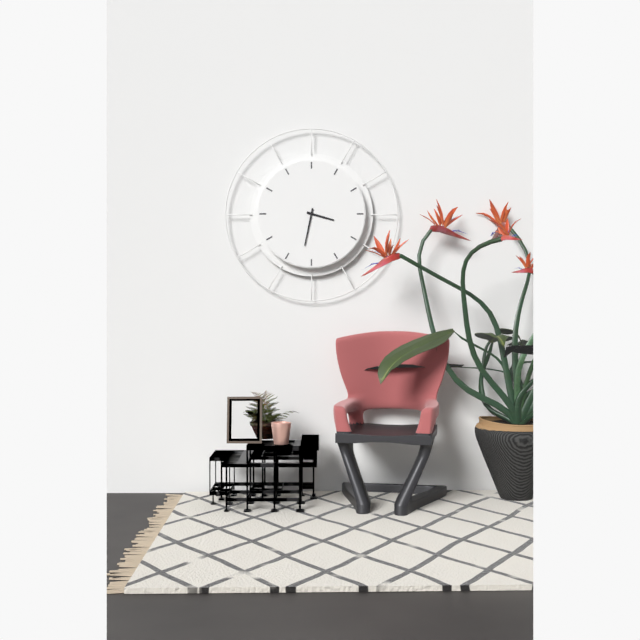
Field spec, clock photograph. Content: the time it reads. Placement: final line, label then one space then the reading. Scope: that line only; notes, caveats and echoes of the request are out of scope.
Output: 3:32
